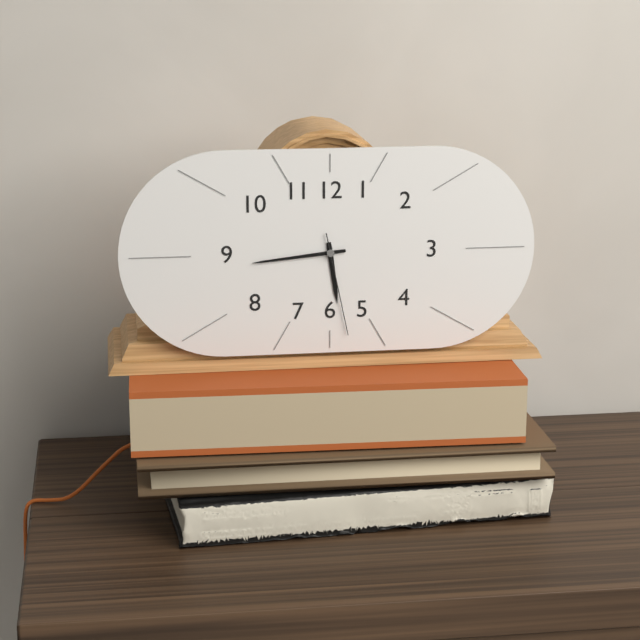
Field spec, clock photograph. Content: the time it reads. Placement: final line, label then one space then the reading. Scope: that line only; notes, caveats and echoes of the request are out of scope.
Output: 5:44:28
